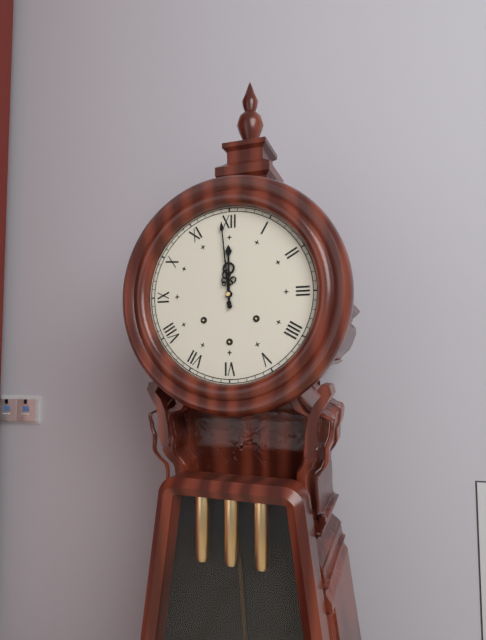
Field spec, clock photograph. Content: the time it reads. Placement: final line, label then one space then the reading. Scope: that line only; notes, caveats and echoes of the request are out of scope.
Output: 11:59
